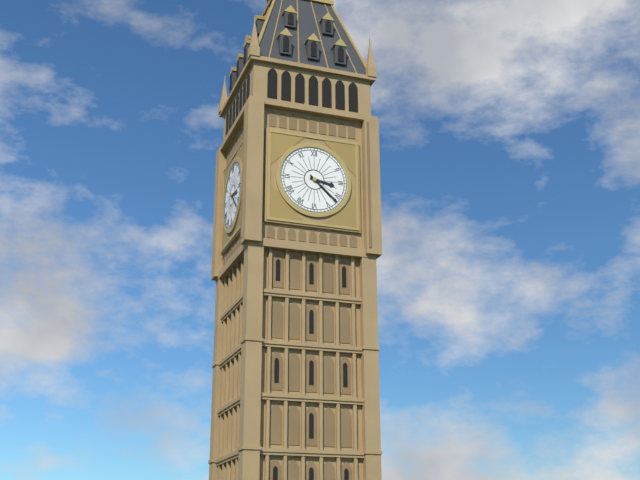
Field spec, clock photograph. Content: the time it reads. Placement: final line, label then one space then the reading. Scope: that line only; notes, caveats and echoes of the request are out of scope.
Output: 3:22
